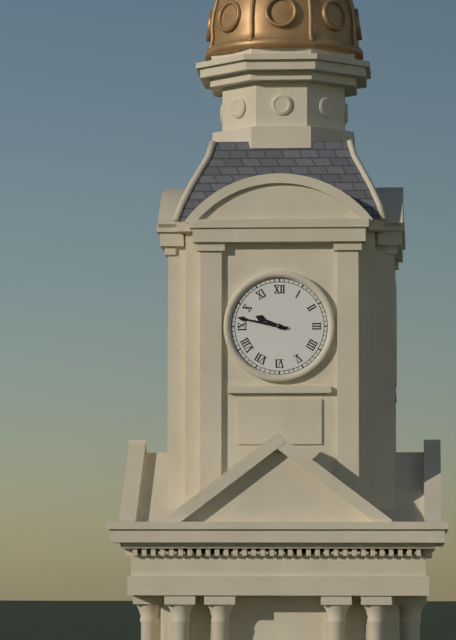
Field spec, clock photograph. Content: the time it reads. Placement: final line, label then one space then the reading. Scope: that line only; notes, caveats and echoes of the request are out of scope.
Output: 9:47
